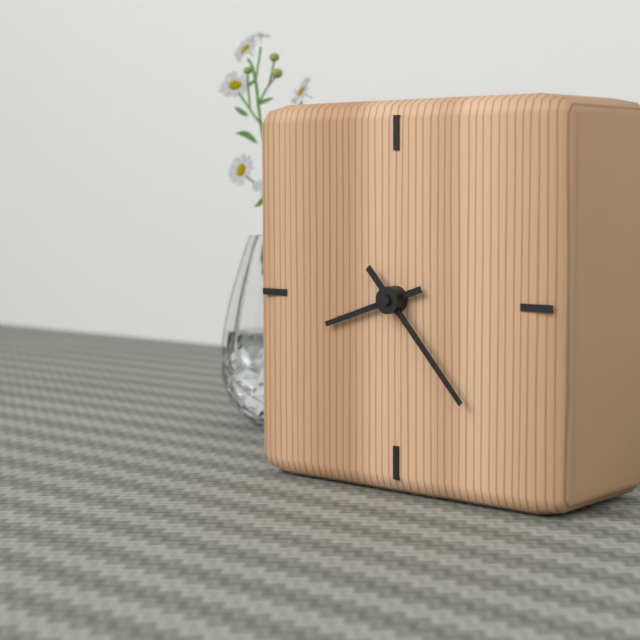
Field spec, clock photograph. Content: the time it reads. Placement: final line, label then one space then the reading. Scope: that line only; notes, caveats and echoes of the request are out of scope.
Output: 8:23
